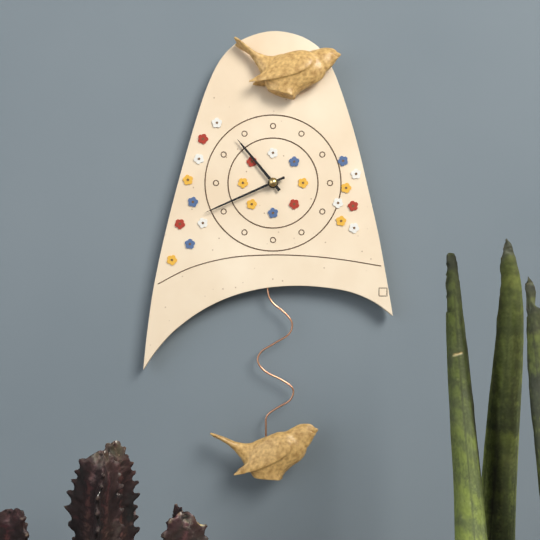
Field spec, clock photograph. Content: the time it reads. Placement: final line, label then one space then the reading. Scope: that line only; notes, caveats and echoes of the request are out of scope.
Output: 10:41
